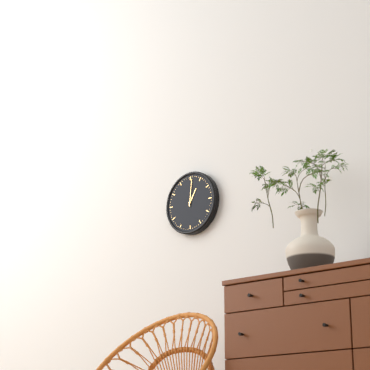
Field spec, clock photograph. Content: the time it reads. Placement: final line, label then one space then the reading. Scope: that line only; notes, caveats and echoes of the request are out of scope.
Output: 1:01
